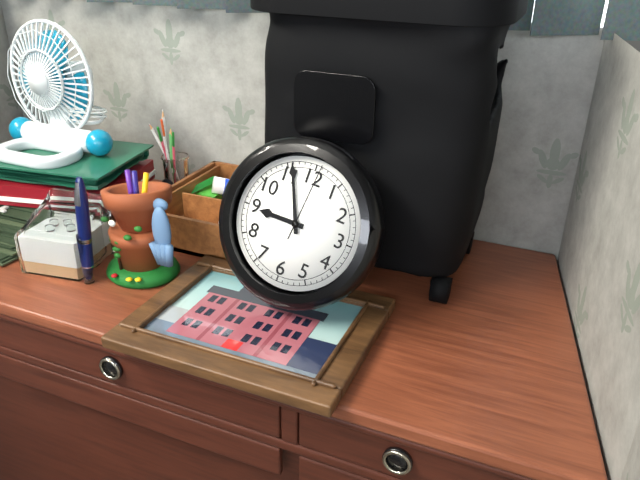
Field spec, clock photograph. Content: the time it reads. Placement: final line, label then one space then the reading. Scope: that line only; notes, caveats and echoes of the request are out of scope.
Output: 8:56:01
